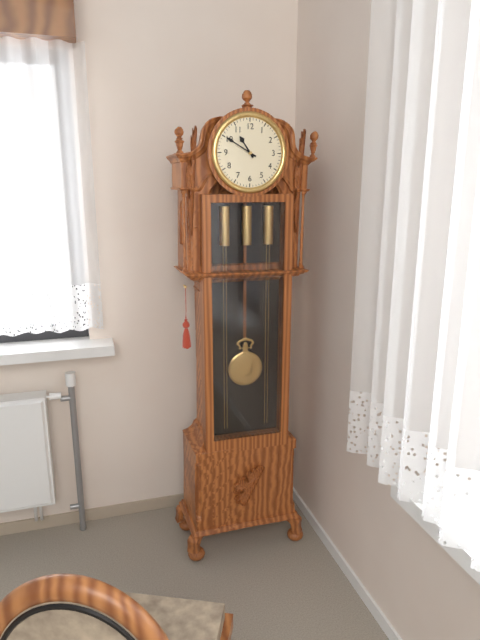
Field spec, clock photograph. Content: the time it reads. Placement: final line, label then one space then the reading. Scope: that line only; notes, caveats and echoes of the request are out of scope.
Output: 10:50
